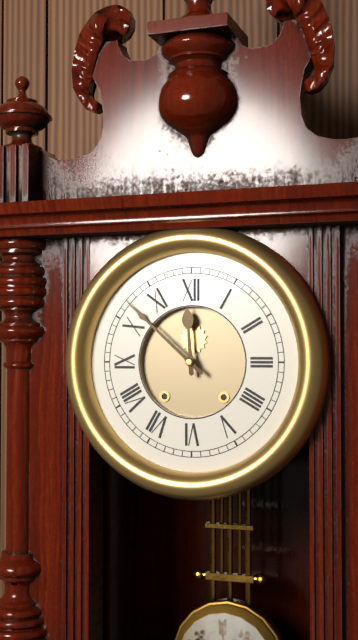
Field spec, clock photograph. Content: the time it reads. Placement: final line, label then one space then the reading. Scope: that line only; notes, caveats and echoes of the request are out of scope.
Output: 11:52
